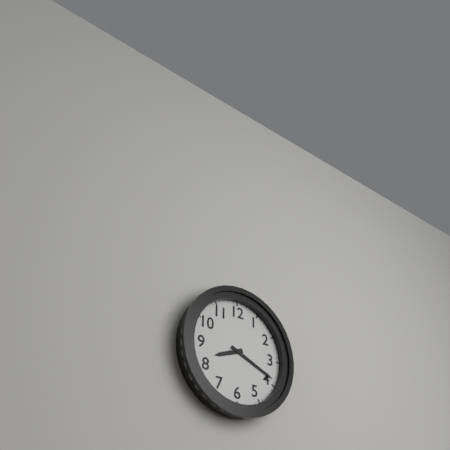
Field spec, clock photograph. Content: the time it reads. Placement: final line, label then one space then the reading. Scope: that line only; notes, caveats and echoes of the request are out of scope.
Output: 8:19
